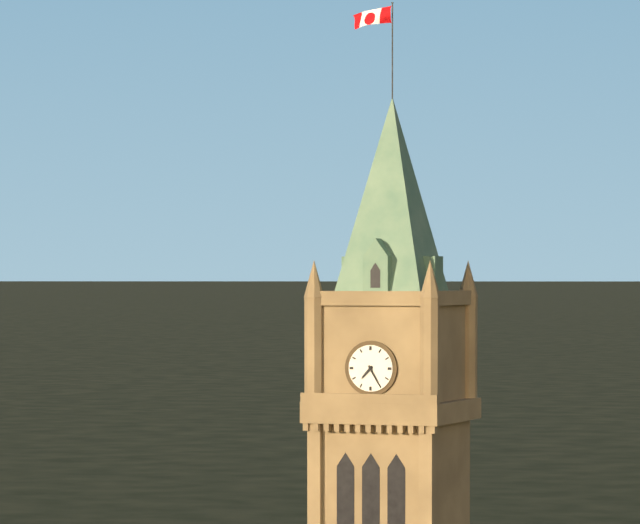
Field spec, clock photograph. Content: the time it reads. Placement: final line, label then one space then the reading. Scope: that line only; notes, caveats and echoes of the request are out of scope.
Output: 7:25
